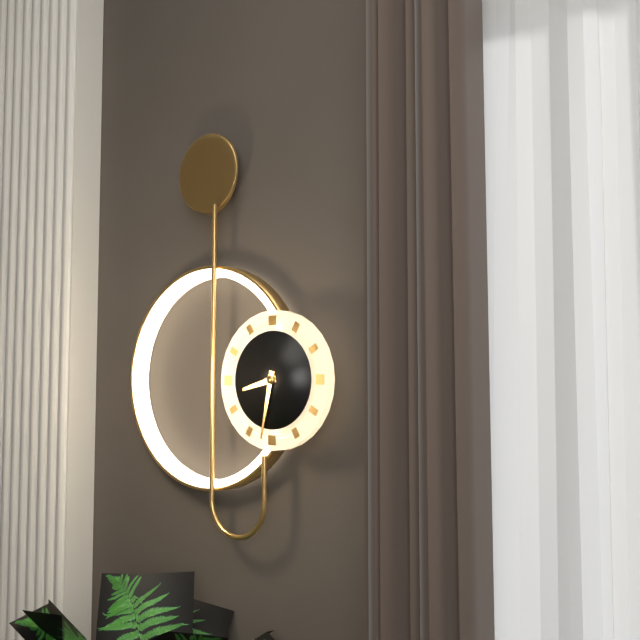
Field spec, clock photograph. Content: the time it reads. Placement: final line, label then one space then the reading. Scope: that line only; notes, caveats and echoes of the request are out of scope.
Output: 8:32
